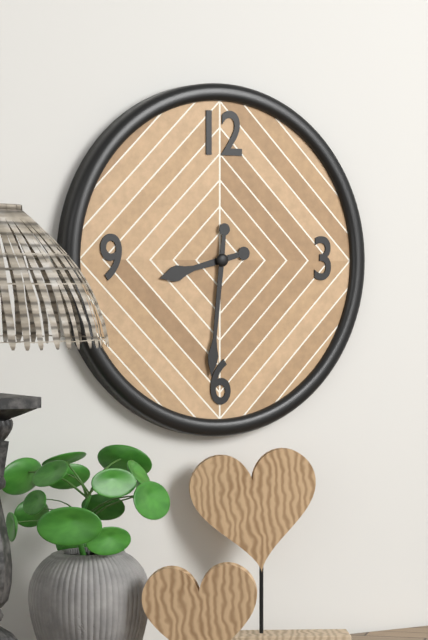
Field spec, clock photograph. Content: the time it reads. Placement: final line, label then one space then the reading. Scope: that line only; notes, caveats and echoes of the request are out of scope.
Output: 8:31
